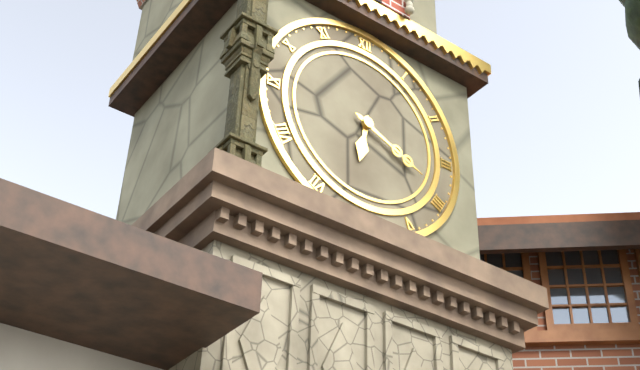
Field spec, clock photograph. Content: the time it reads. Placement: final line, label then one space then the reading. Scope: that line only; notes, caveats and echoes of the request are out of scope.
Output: 6:19
